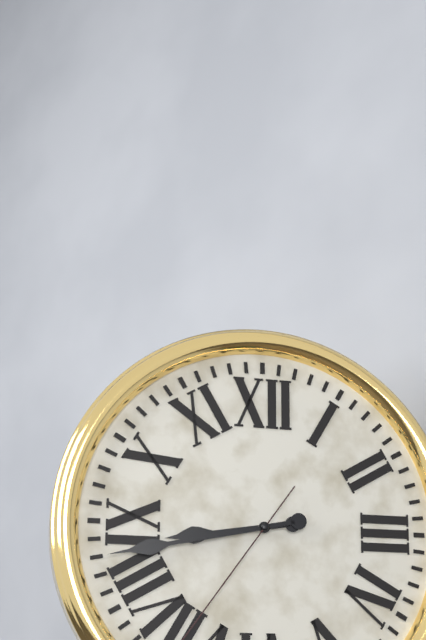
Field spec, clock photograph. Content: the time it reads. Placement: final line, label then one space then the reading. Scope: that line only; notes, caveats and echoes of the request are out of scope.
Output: 8:43
